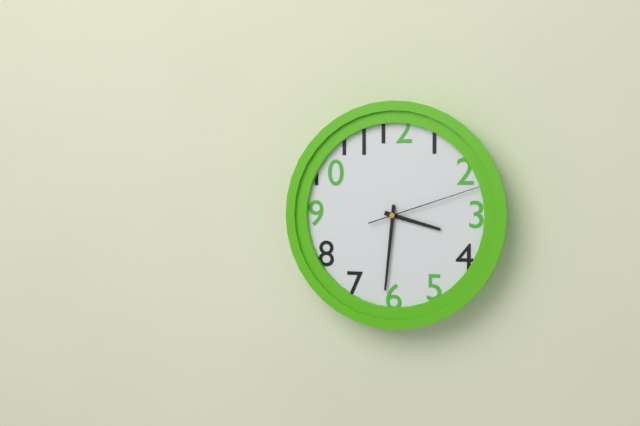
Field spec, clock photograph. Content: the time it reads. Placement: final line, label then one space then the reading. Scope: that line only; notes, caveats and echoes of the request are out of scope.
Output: 3:31:12
